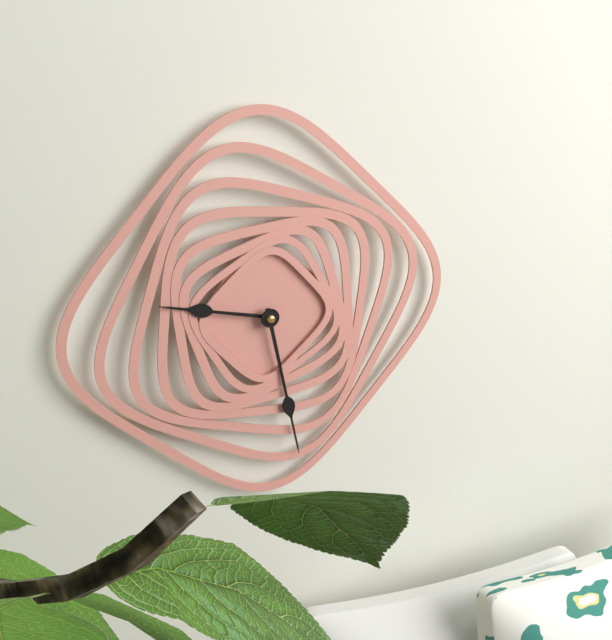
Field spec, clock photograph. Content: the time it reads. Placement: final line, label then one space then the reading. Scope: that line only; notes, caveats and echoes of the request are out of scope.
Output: 9:28
